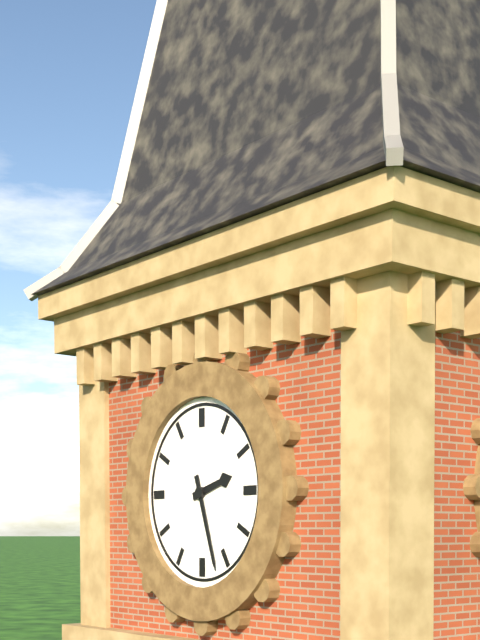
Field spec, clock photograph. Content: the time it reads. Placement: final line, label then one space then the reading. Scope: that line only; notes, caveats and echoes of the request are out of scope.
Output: 2:27
